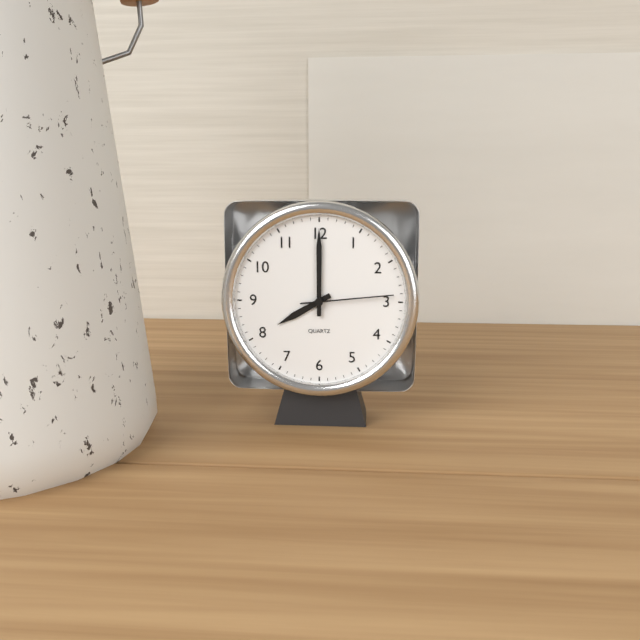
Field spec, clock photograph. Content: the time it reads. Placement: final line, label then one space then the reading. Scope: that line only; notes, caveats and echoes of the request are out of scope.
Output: 8:00:14
